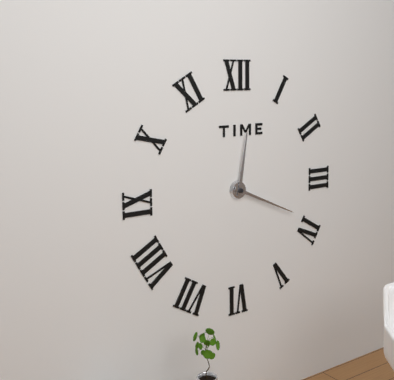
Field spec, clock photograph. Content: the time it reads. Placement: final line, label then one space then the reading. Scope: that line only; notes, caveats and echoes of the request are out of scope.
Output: 12:19
